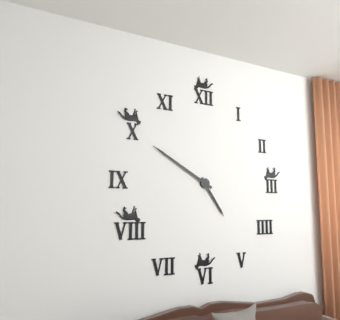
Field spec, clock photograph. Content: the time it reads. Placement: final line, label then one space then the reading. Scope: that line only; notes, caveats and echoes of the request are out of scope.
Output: 4:50
